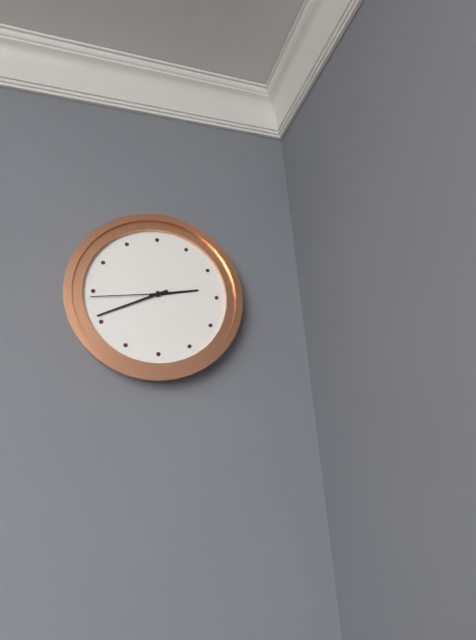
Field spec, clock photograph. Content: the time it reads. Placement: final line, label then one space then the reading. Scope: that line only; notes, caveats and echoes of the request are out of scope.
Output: 2:41:44
